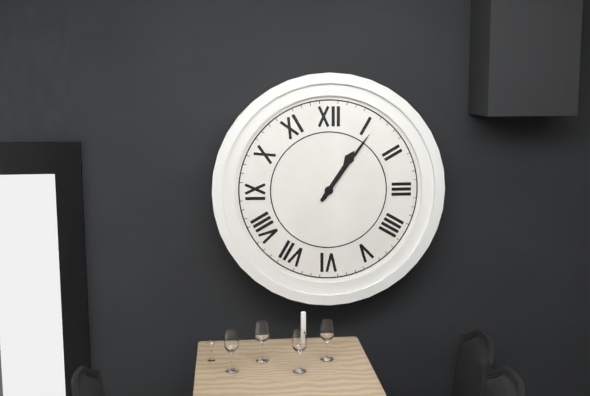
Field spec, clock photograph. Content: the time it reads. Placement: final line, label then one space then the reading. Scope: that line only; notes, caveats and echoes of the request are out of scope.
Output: 1:06
